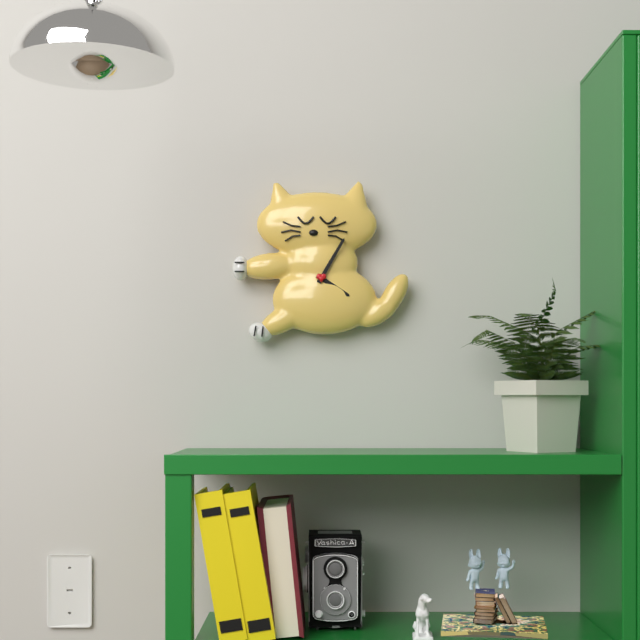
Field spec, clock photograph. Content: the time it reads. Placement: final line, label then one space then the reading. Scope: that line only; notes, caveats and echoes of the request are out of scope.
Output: 4:05
